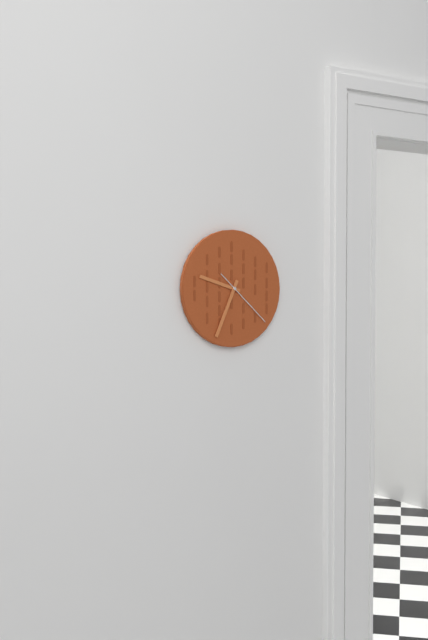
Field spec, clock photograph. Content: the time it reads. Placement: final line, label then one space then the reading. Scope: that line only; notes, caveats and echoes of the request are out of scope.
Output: 9:34:22
